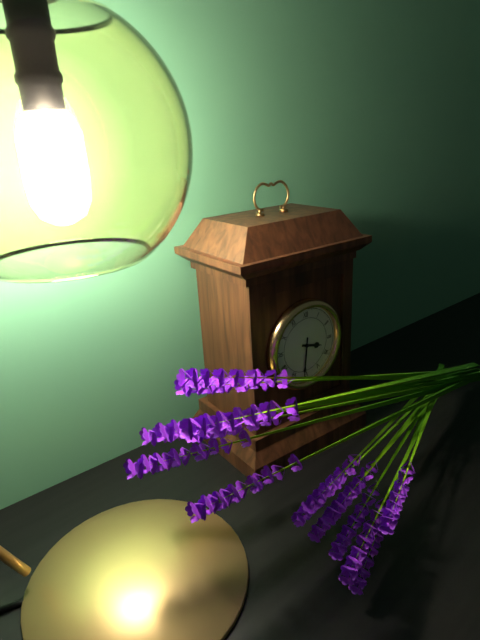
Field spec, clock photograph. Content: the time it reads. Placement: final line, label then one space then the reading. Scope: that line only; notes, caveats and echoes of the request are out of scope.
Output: 3:31
